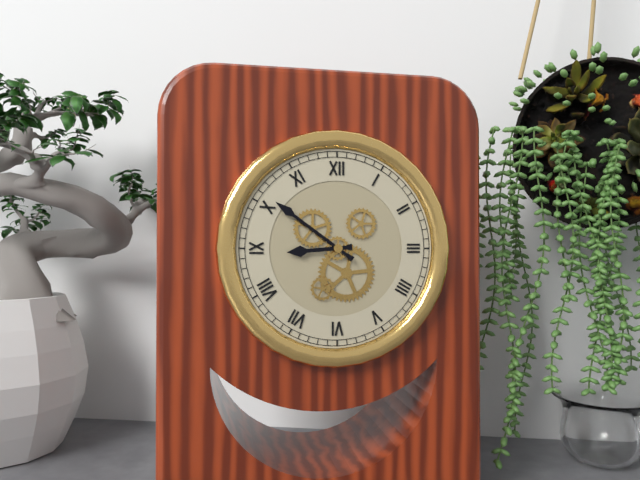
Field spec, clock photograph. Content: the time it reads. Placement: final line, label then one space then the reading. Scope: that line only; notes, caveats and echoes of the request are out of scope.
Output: 8:51
